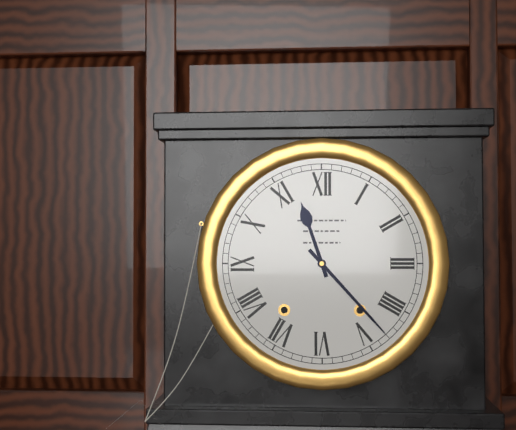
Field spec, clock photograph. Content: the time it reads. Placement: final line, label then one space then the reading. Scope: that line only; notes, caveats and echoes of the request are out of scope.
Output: 11:23
